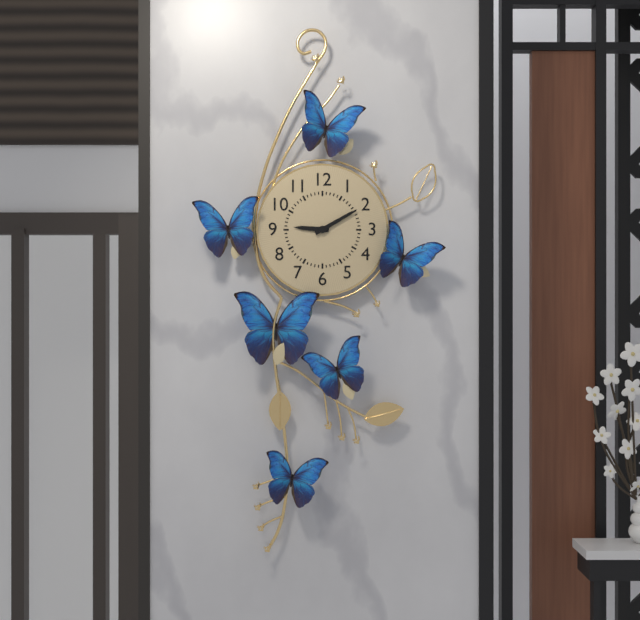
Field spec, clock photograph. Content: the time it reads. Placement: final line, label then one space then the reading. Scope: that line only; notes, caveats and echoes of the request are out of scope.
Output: 9:10
